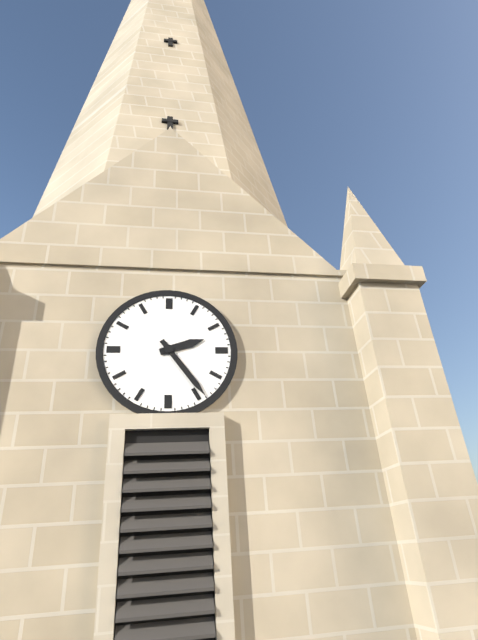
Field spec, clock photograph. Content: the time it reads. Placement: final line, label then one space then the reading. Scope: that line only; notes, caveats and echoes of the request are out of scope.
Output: 2:24
